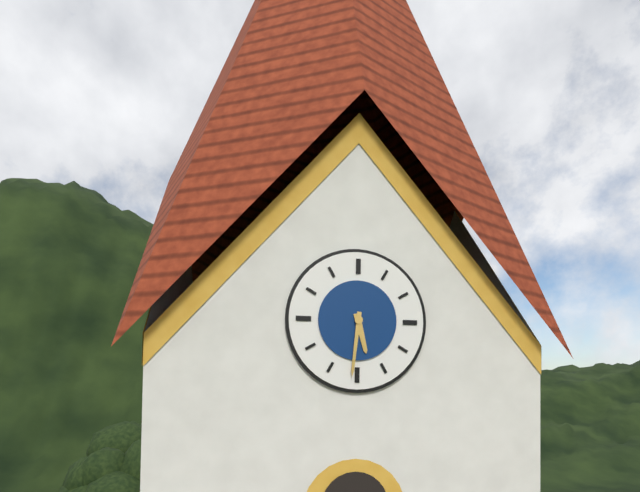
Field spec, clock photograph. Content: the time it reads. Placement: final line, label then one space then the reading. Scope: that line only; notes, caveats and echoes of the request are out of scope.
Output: 5:31
